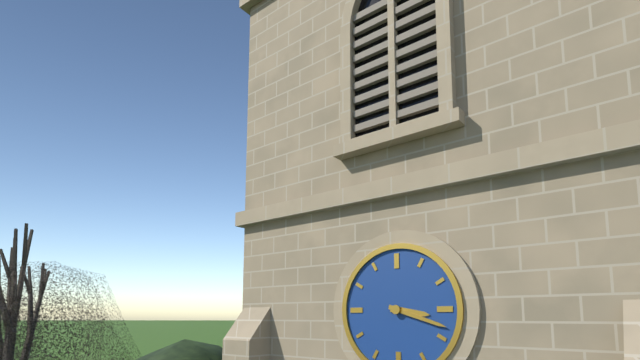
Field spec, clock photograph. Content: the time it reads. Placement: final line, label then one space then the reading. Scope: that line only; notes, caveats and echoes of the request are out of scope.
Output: 3:18
